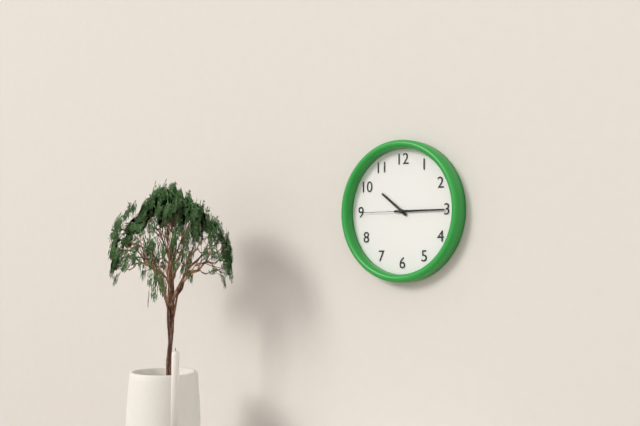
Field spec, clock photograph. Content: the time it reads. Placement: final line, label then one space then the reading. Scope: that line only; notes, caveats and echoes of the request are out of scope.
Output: 10:15:45
